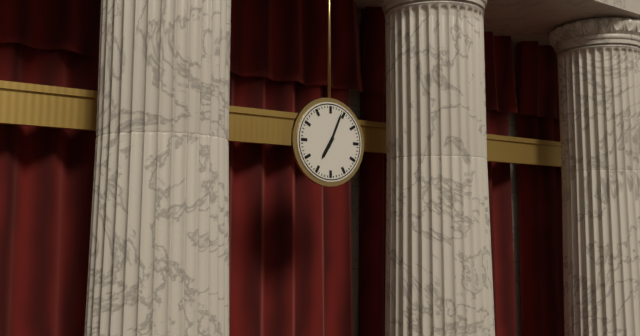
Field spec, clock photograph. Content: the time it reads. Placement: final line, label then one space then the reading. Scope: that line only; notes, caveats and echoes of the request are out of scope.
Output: 7:04
